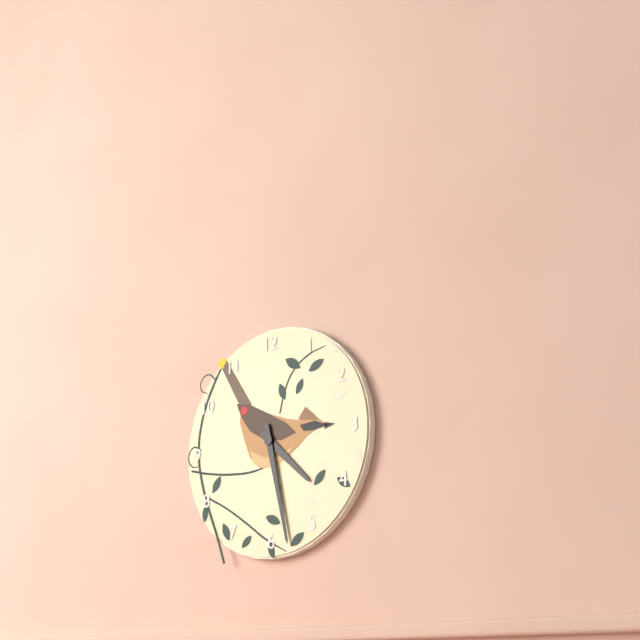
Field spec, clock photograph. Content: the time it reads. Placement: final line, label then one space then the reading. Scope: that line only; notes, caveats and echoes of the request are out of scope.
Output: 4:28
